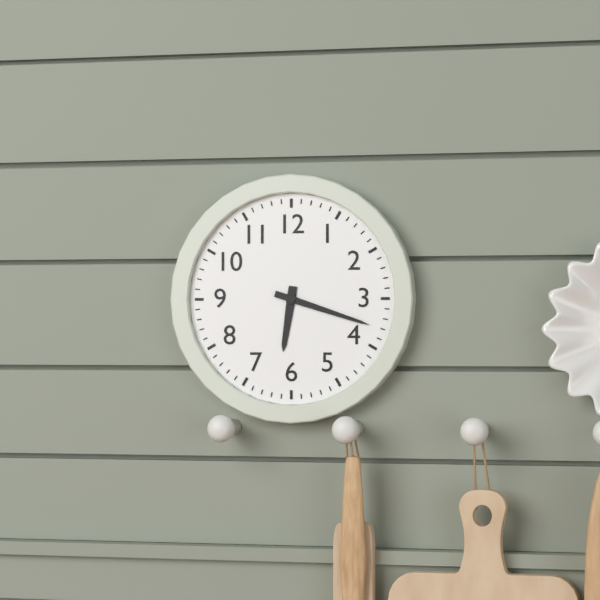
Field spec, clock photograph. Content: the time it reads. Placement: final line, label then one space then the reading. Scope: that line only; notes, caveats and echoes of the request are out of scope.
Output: 6:18
